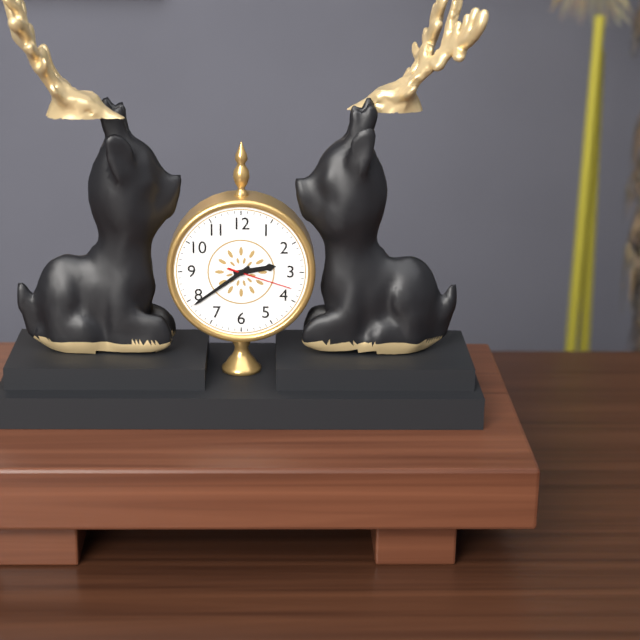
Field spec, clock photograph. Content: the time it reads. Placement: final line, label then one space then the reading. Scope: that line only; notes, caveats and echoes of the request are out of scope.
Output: 2:39:18
